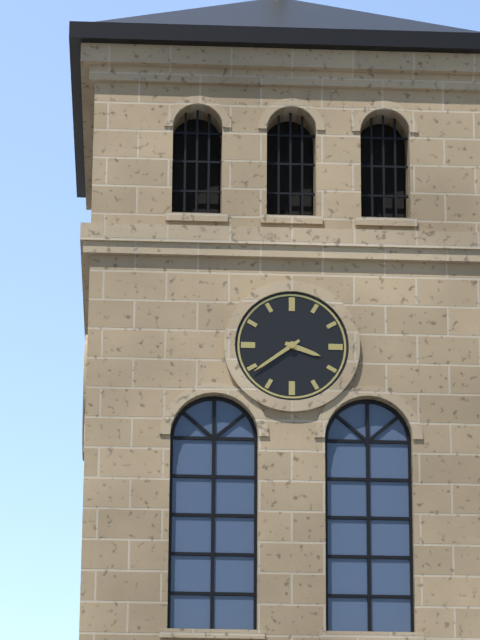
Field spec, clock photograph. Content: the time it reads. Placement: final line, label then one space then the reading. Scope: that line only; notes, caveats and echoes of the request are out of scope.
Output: 3:39
